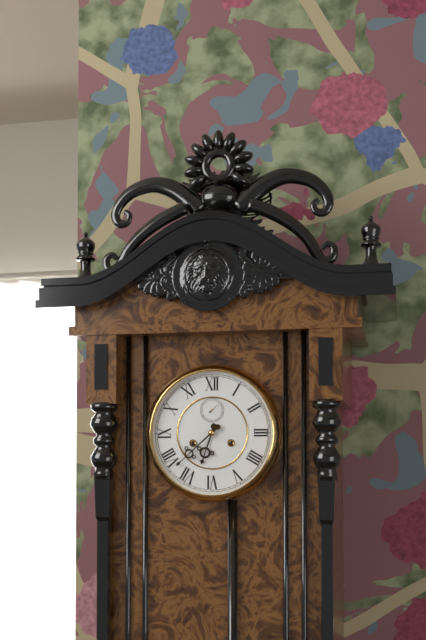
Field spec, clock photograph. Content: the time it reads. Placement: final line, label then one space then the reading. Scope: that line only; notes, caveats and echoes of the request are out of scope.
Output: 6:38
